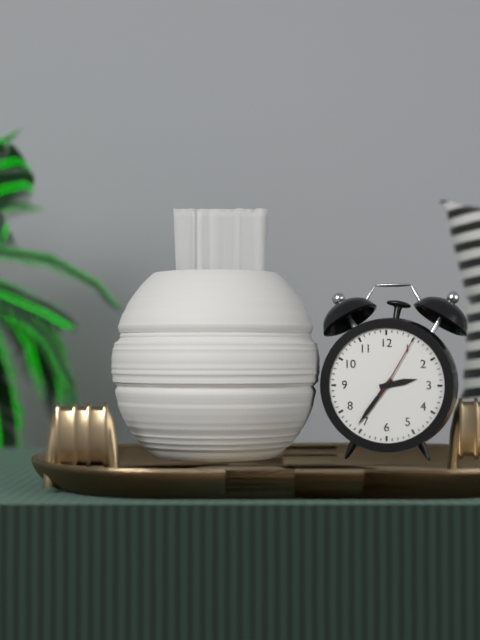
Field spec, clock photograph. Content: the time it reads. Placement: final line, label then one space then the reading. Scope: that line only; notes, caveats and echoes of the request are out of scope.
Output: 2:36:05
